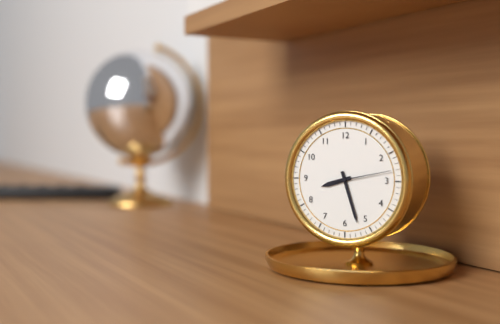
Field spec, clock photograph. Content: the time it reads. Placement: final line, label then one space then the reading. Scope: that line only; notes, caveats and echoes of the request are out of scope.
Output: 8:27:13
